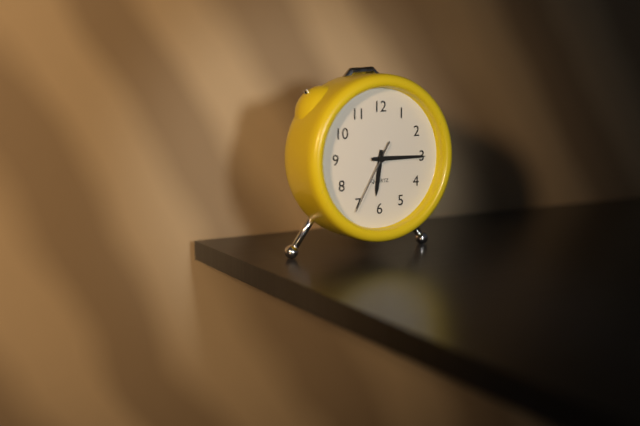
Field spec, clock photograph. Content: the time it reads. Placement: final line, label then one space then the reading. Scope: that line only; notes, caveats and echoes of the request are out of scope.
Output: 6:15:35
